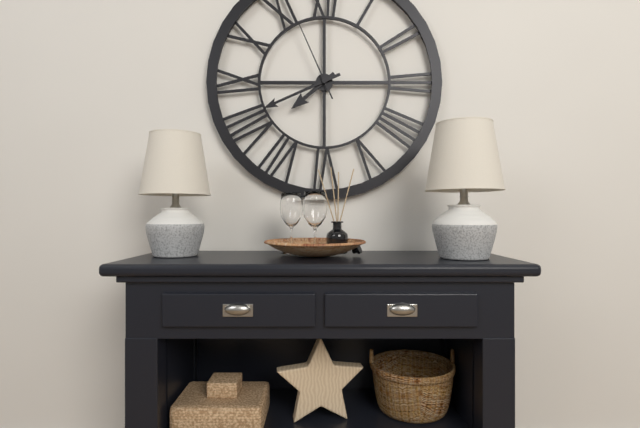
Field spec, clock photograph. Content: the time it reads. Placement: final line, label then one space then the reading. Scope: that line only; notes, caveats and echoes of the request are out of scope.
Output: 7:41:56
